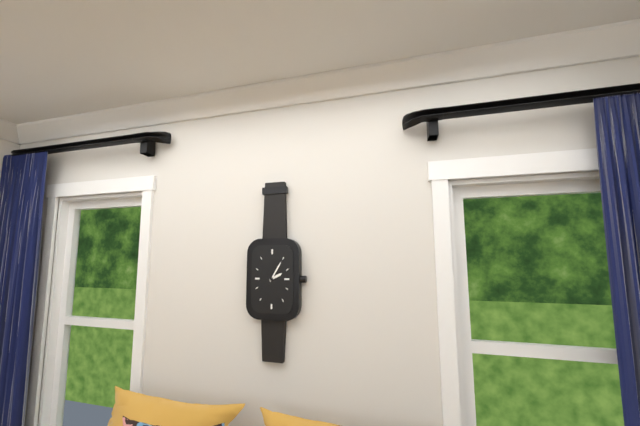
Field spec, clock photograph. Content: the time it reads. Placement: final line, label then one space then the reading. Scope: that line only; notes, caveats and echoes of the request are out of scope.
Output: 2:05
